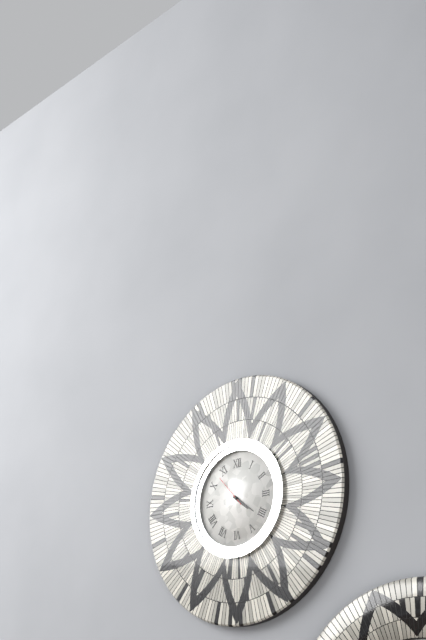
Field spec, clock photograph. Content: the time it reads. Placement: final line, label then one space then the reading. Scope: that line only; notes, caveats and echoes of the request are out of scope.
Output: 4:21
